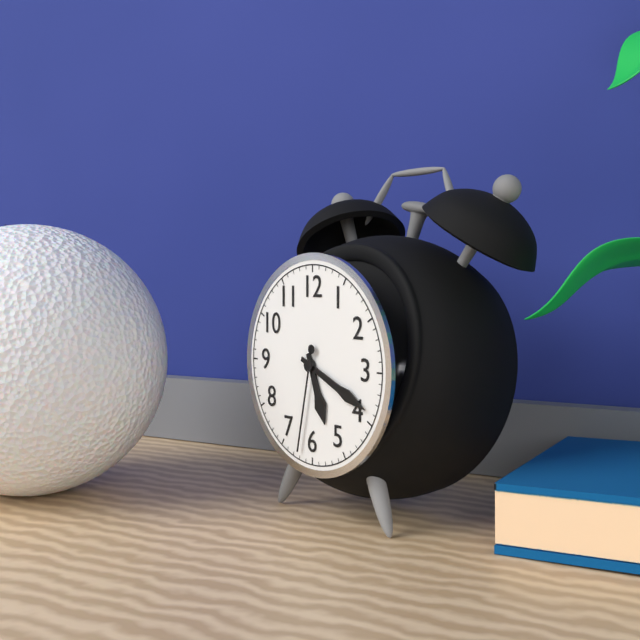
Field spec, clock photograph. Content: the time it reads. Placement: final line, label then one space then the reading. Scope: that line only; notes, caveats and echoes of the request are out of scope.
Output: 5:19:32
